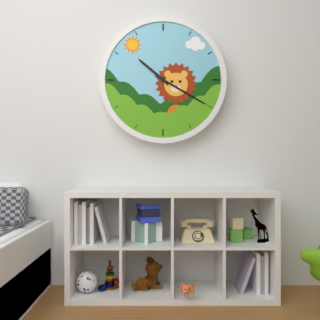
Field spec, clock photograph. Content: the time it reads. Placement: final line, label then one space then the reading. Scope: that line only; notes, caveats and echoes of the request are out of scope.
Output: 10:20
